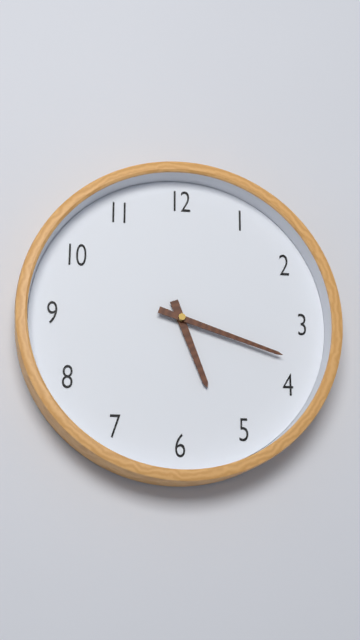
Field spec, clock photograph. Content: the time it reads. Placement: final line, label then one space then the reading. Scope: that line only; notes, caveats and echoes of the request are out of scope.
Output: 5:18
